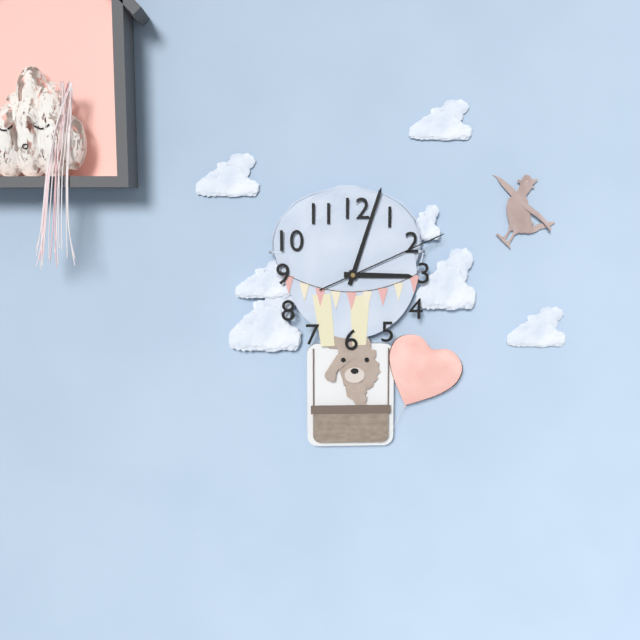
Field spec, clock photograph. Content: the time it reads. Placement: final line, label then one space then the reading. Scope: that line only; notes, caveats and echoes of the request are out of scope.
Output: 3:03:11
